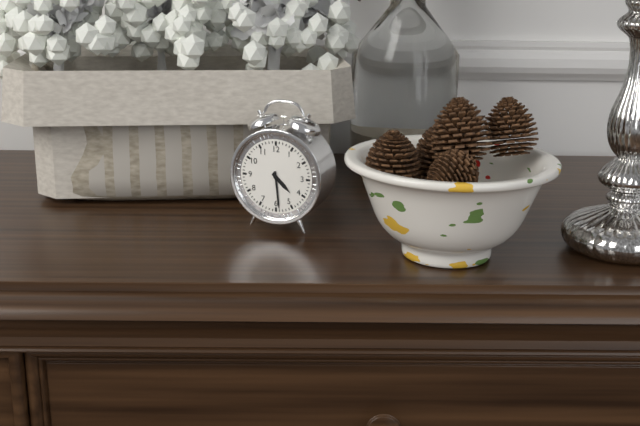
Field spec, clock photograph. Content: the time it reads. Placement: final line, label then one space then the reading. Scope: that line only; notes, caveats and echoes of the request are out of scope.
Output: 4:29
